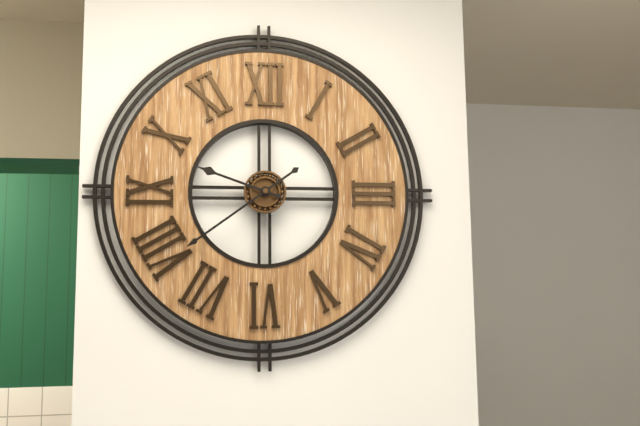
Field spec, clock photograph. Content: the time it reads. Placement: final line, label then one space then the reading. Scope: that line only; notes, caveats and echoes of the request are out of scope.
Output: 9:39
